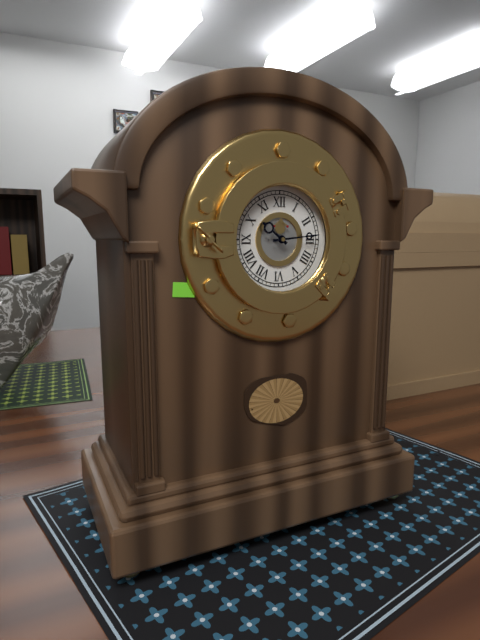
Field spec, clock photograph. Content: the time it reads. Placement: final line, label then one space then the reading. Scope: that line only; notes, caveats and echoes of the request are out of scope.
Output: 10:14
